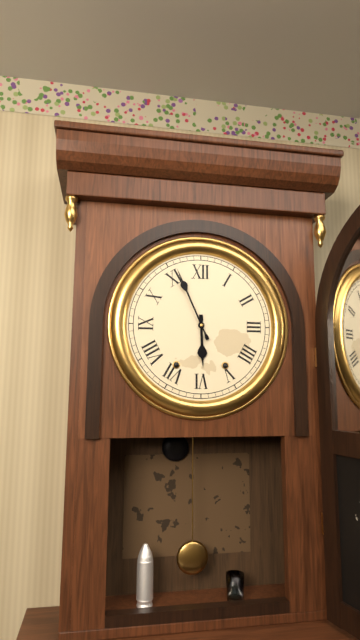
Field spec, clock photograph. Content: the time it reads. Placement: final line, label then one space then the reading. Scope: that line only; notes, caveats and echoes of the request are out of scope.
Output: 5:56
